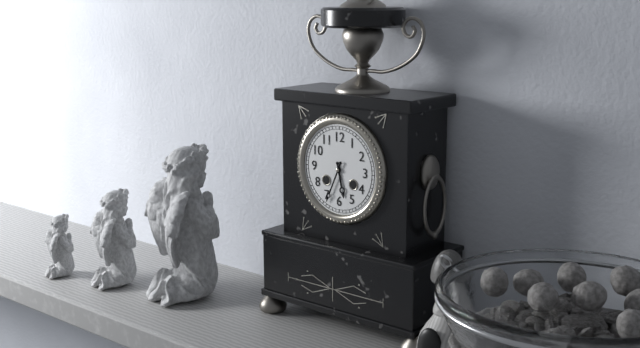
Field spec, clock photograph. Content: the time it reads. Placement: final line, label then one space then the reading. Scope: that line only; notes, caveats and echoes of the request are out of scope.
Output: 5:34
